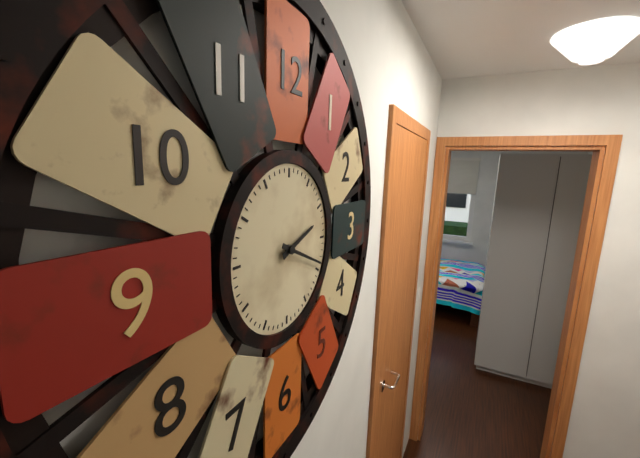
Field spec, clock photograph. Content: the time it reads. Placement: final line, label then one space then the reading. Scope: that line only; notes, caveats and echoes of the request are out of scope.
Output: 2:19
